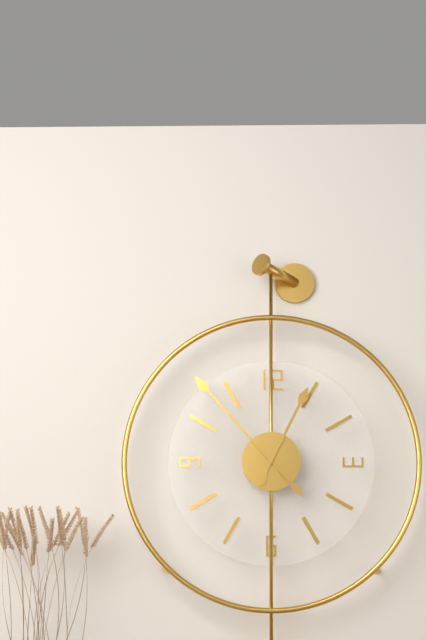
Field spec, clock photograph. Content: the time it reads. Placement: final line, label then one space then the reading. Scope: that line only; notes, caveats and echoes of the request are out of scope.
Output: 12:53
